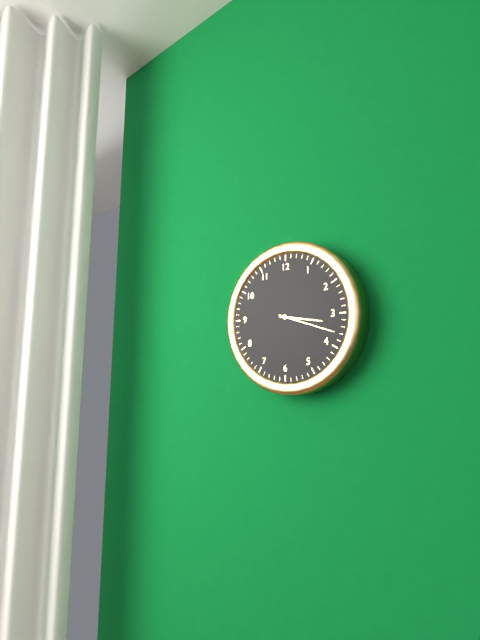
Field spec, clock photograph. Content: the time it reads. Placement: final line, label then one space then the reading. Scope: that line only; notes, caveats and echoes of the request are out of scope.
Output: 3:18
